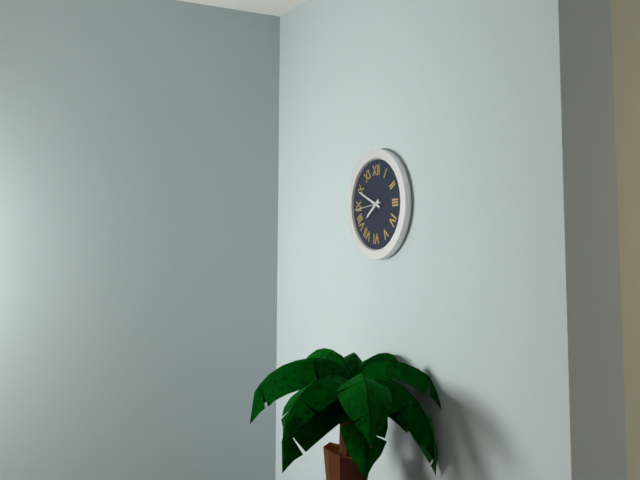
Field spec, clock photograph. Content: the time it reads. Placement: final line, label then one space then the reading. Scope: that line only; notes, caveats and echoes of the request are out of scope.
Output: 7:49
